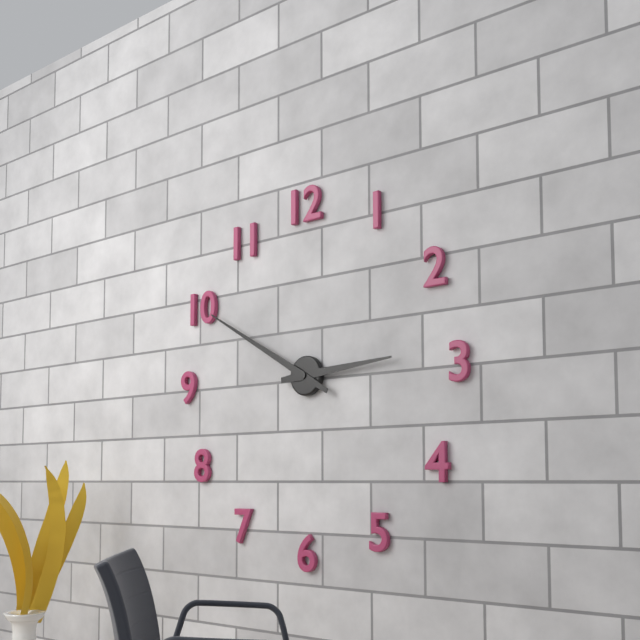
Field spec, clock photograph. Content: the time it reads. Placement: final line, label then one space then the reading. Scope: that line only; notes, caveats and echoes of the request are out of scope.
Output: 2:50
